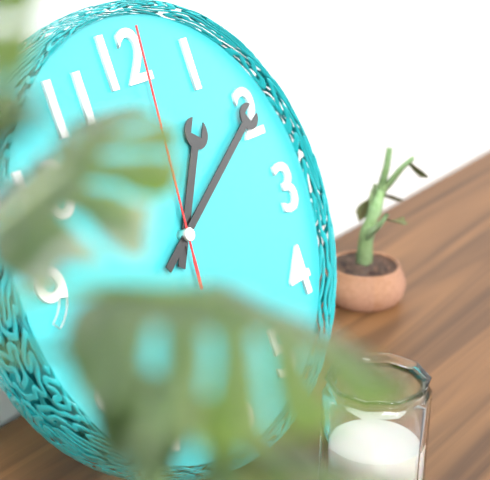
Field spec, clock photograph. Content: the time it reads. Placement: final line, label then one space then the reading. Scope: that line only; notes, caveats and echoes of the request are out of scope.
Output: 1:10:01
